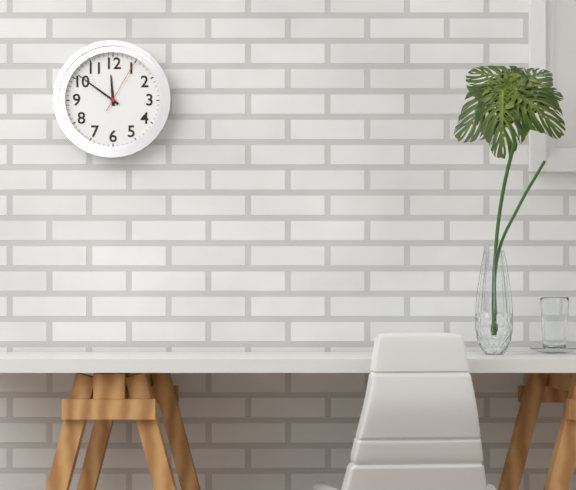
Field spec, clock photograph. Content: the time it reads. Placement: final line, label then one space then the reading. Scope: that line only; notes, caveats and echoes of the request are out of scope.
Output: 11:51:05
